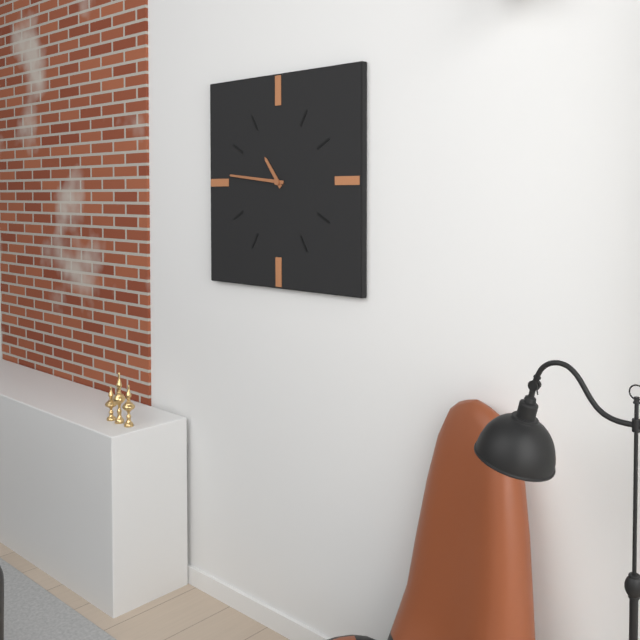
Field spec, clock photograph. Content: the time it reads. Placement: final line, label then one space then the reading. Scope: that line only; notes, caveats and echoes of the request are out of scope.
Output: 10:46
